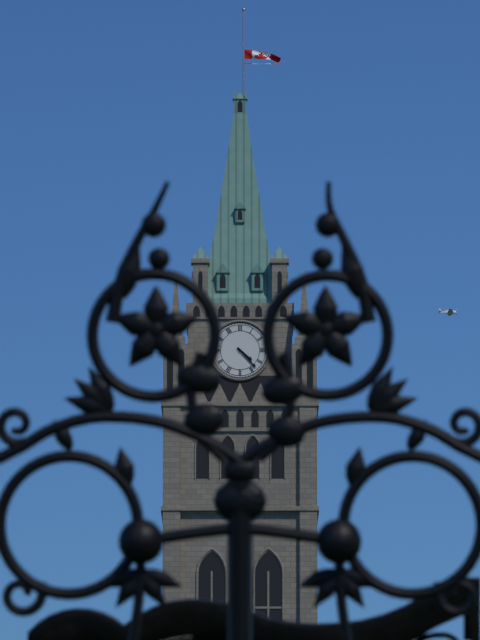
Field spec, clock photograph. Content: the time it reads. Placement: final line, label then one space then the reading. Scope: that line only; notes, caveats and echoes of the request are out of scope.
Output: 4:23
